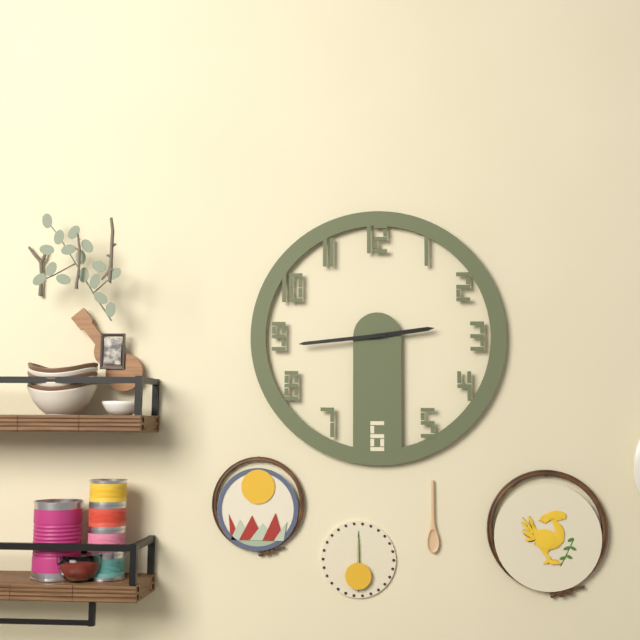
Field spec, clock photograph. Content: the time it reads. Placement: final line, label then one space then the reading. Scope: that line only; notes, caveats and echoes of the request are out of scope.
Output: 2:44
